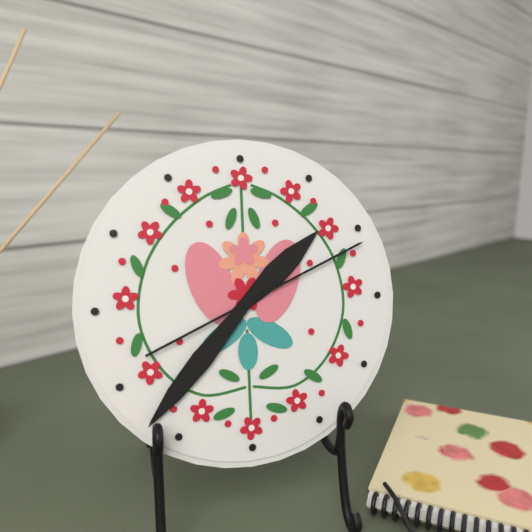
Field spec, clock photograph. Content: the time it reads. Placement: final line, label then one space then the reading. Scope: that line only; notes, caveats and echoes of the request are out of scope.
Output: 1:37:11
